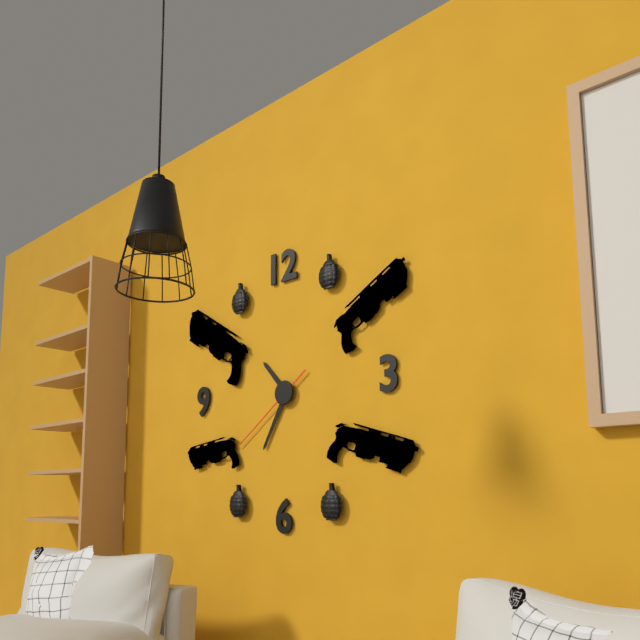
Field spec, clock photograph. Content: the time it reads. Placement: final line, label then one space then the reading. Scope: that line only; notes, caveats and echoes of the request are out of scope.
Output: 10:35:39
